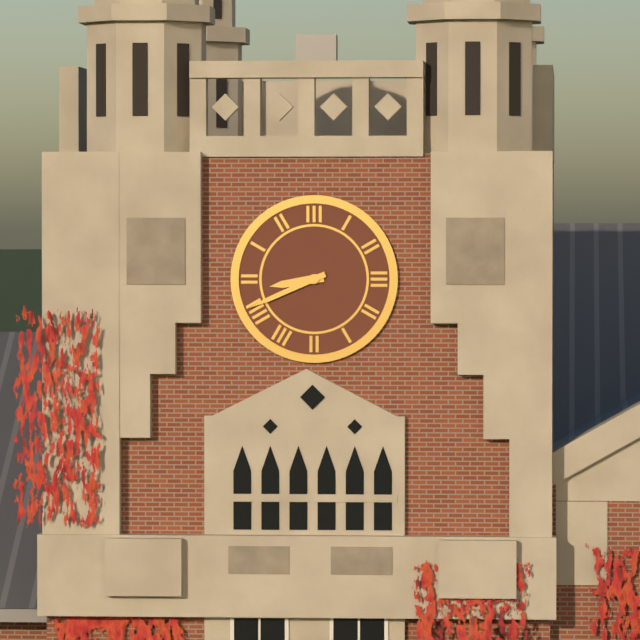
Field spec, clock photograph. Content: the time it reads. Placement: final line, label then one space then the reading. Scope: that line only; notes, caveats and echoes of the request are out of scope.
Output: 8:41
